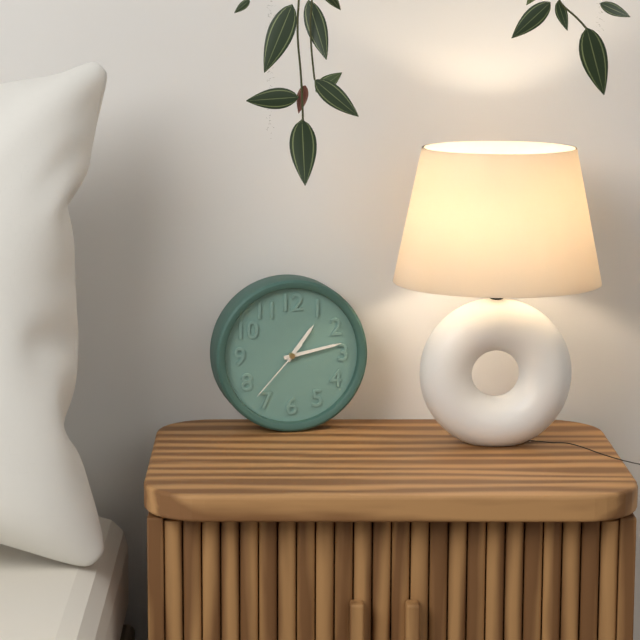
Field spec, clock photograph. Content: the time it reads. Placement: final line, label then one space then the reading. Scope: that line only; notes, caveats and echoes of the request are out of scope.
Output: 1:13:37
